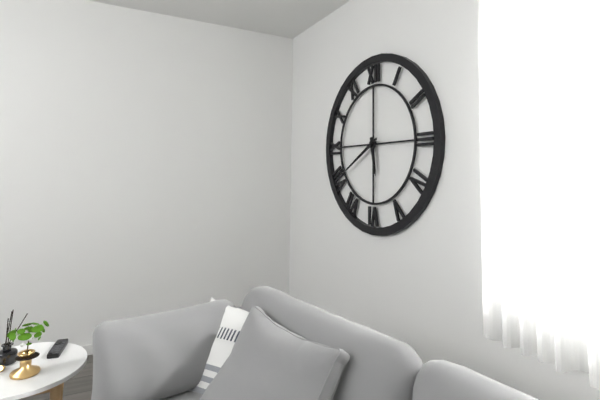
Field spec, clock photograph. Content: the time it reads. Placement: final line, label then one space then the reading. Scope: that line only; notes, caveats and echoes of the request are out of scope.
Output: 5:40
